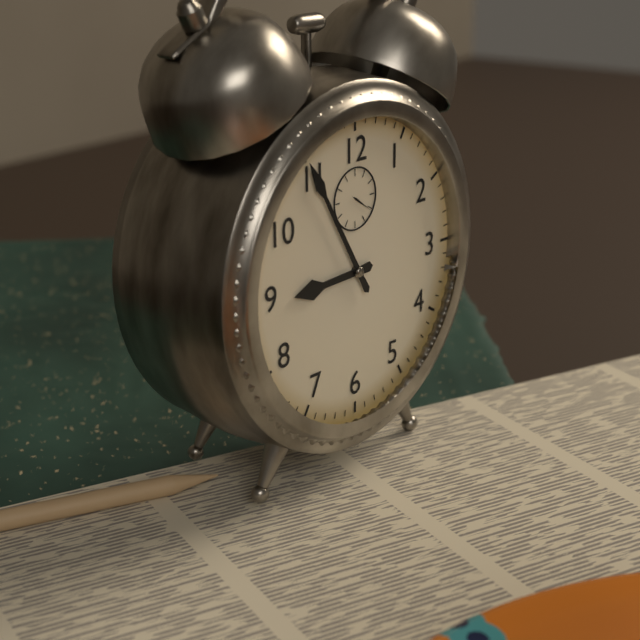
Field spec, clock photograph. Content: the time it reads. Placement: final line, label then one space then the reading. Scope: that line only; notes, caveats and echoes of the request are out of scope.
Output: 8:55
